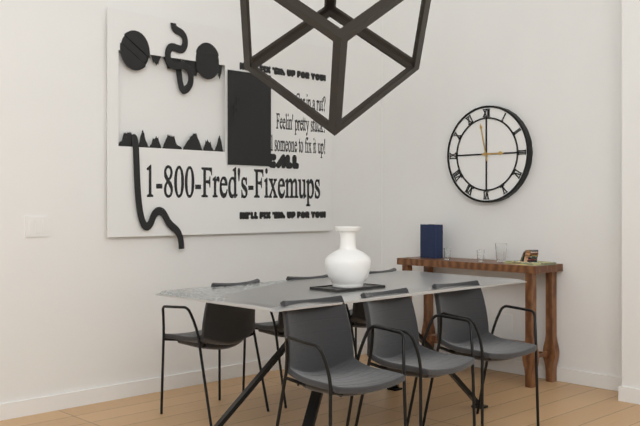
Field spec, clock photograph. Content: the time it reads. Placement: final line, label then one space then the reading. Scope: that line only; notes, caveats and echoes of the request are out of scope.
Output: 2:58
